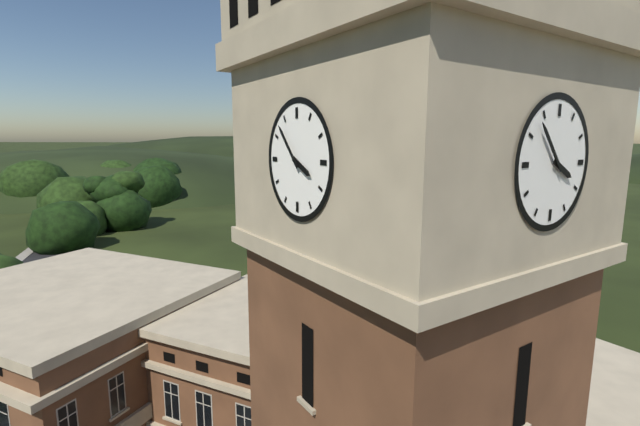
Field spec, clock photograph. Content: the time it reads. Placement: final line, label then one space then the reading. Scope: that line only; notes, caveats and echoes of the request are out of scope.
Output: 3:53
